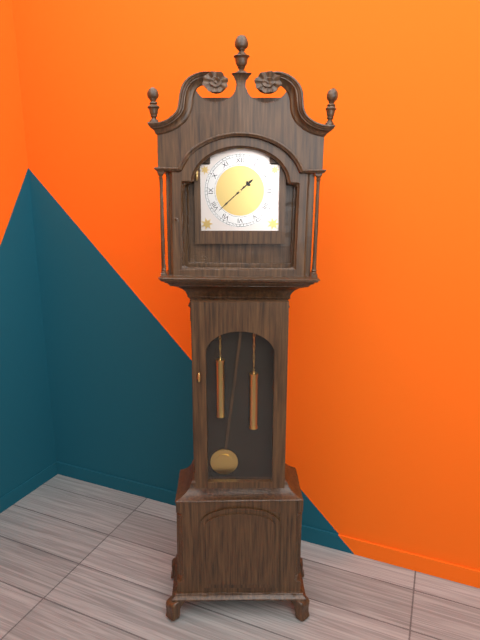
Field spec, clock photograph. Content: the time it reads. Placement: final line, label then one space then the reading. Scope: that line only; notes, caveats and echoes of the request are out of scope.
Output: 1:38
